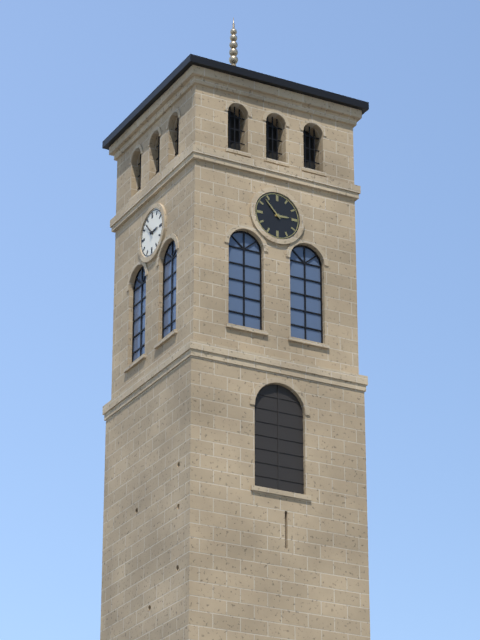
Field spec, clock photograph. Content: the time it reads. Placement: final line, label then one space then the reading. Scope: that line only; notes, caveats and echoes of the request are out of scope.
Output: 2:53
